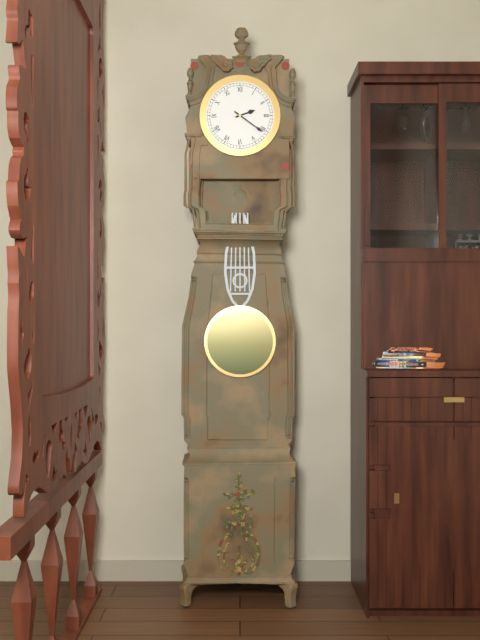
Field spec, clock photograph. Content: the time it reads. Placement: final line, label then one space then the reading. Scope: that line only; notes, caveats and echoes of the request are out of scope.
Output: 2:21
